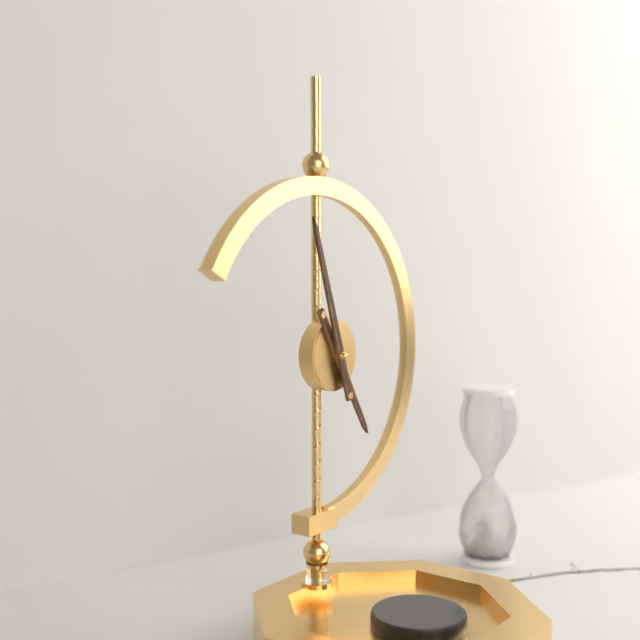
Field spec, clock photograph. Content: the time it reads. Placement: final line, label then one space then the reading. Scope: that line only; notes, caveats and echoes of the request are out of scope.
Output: 4:57
